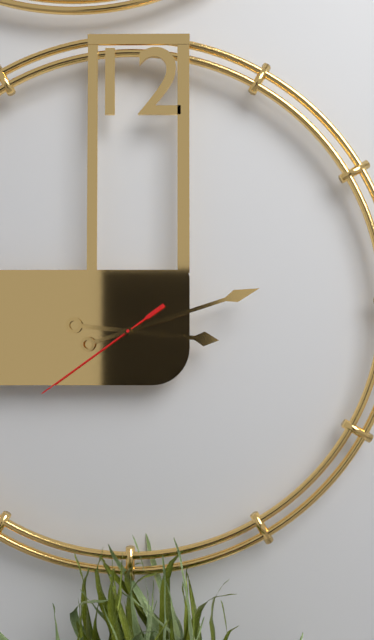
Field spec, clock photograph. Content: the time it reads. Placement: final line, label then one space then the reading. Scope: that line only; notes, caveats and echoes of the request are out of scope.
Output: 3:12:39
